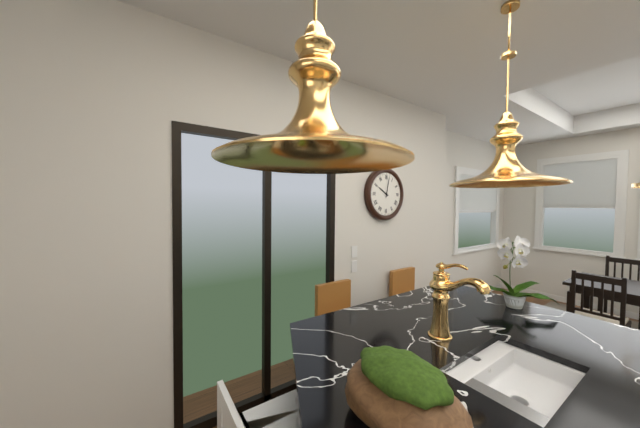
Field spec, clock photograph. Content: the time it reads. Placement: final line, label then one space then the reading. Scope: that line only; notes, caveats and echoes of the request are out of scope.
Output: 10:02
